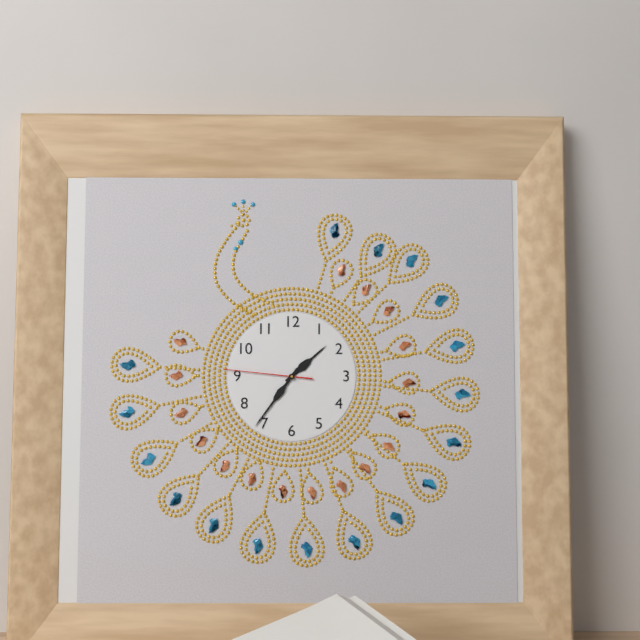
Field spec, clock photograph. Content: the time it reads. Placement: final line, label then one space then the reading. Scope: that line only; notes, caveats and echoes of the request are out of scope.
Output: 1:36:46
